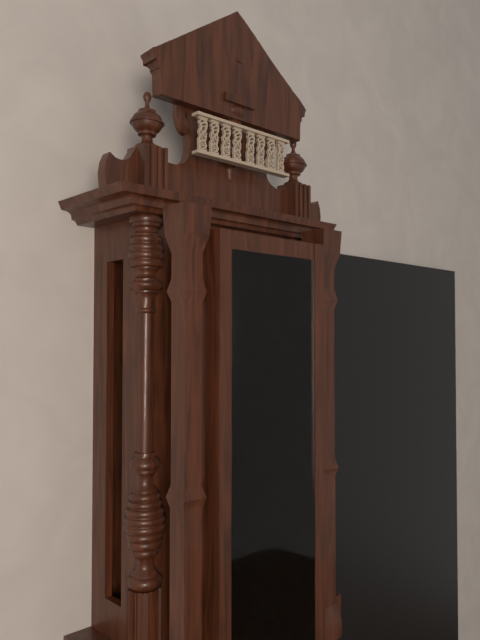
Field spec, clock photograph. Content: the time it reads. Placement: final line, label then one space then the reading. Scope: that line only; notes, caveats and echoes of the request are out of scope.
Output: 5:55
